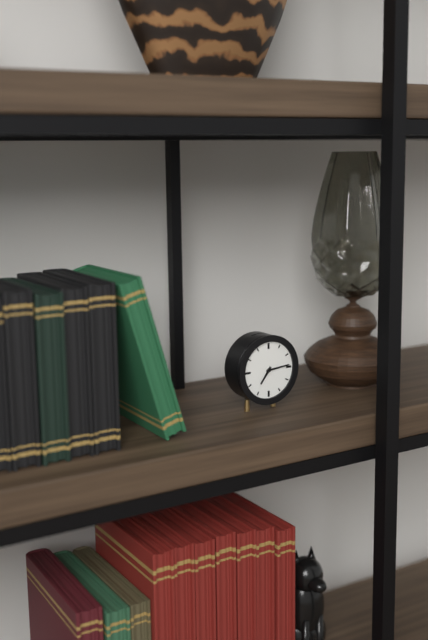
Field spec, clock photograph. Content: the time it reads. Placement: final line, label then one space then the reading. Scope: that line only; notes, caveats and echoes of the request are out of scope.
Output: 7:14
